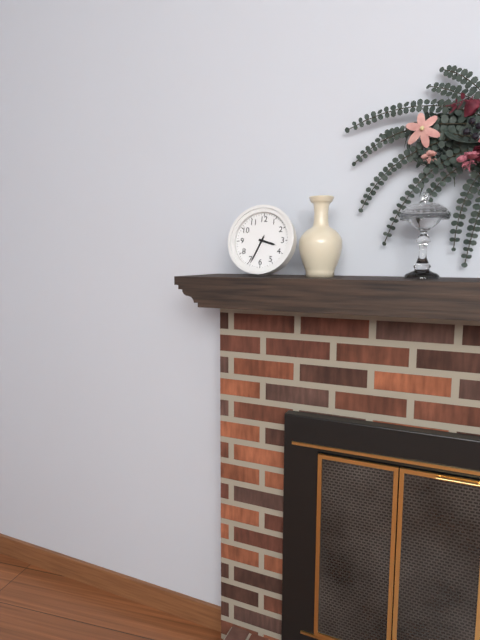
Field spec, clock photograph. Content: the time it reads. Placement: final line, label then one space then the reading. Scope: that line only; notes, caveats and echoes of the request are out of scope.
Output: 3:34
